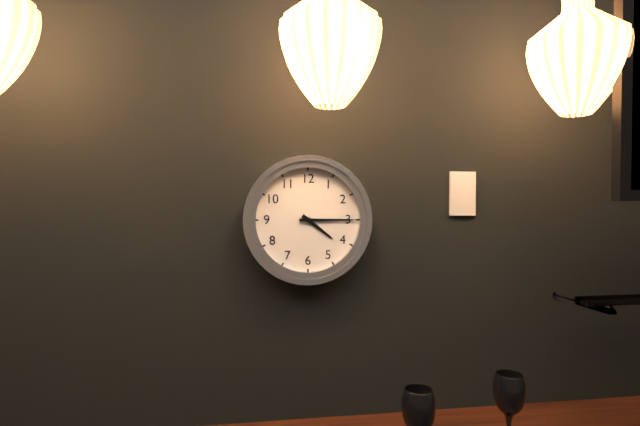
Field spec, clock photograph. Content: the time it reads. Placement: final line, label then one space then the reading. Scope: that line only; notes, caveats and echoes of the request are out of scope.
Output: 4:15
